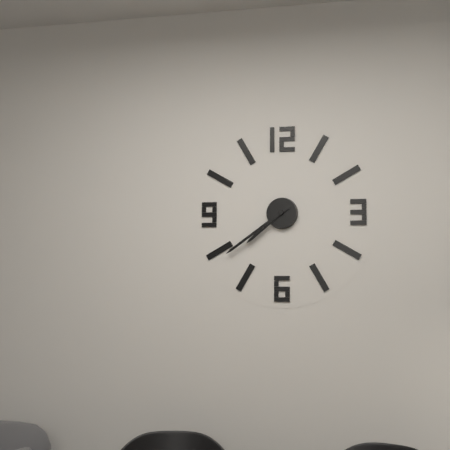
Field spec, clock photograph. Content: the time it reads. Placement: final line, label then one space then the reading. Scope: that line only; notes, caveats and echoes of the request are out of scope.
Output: 7:39
